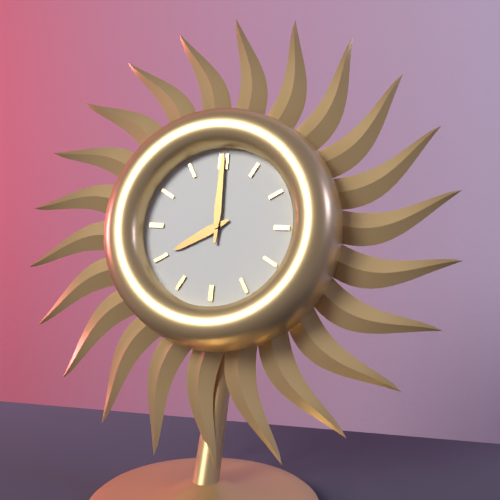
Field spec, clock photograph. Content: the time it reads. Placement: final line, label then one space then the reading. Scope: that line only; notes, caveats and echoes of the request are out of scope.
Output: 8:00
